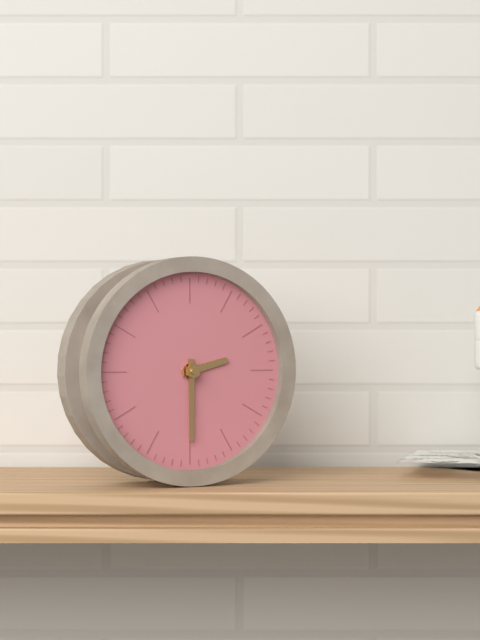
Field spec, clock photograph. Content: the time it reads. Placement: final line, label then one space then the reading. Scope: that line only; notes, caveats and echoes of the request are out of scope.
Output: 2:30
